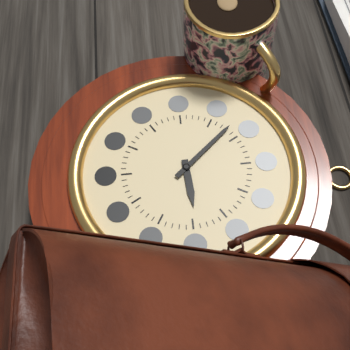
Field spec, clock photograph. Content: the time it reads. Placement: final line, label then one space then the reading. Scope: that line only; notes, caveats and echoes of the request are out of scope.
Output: 2:53
